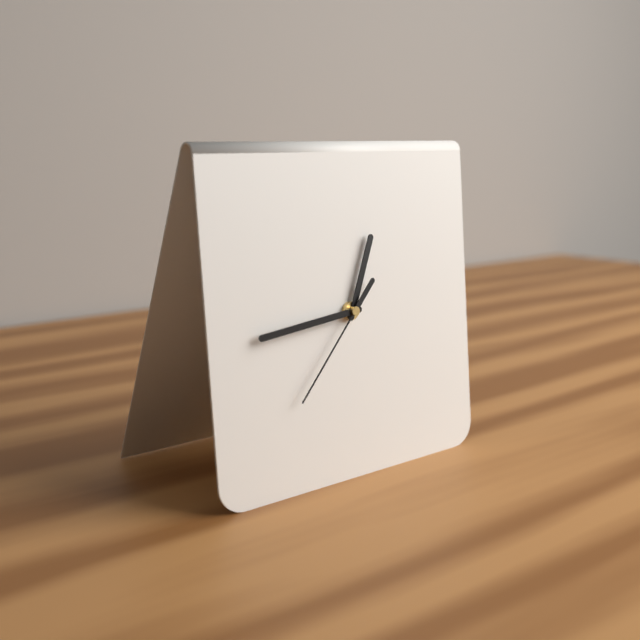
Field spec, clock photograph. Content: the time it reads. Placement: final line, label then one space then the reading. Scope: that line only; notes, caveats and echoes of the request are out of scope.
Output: 12:44:37
